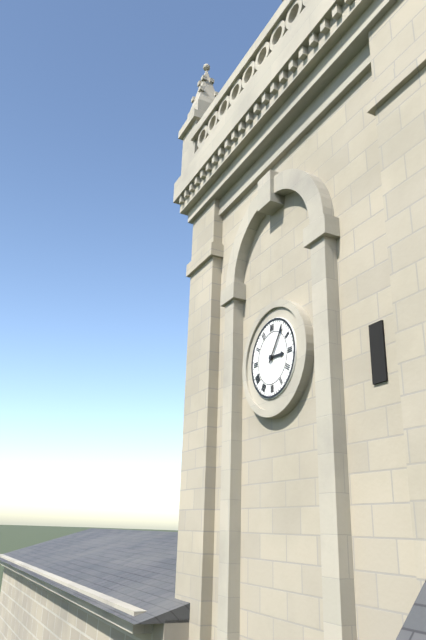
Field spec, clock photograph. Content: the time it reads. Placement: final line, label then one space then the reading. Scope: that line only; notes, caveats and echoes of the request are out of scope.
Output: 3:06
